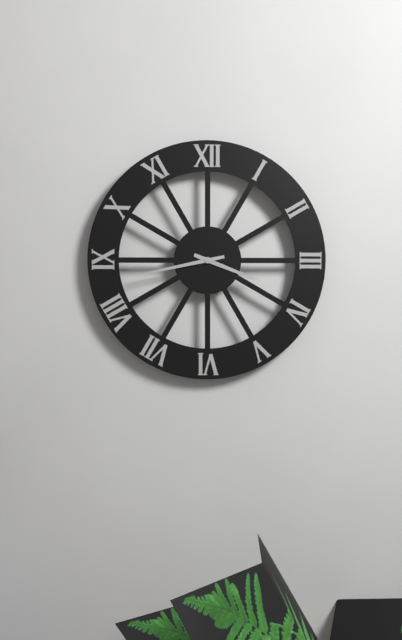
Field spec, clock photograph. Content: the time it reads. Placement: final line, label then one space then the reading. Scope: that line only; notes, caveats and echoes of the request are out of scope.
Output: 3:43
